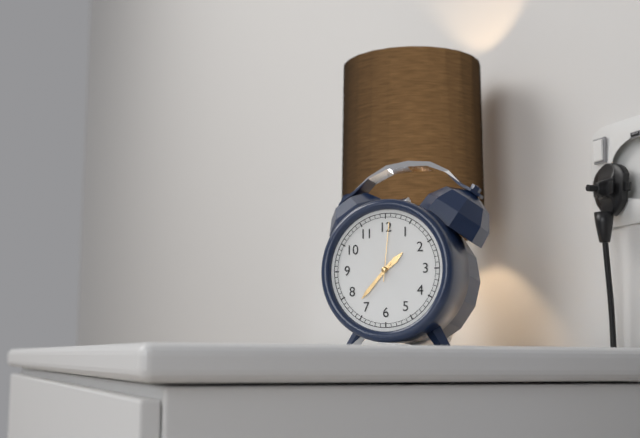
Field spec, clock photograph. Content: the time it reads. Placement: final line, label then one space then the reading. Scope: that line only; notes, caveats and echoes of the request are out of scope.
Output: 1:37:01
